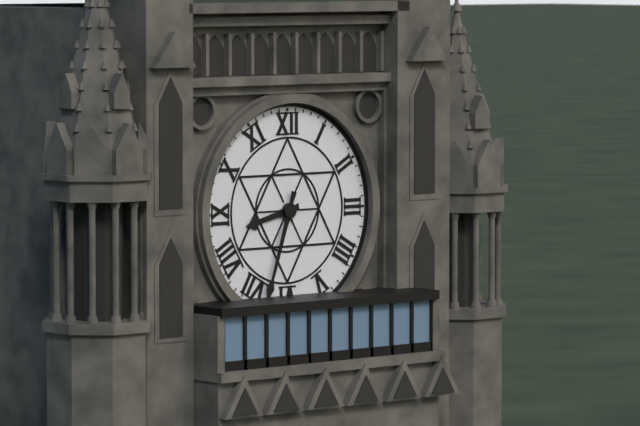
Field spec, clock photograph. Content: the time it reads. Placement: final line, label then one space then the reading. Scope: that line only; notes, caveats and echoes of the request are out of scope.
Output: 8:33
